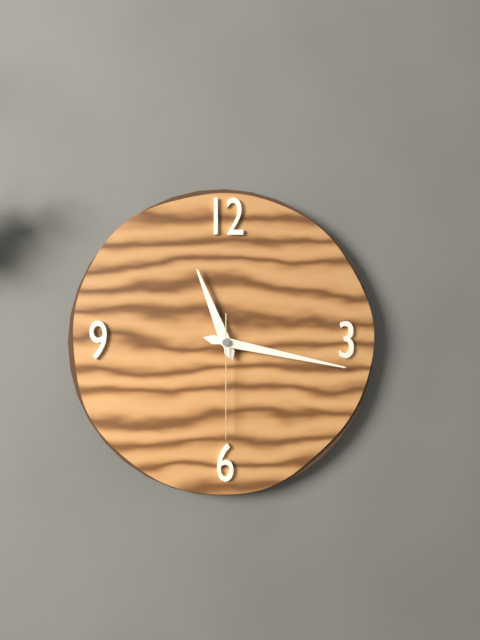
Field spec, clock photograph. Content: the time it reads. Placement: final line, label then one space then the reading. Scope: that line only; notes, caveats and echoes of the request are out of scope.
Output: 11:17:30
